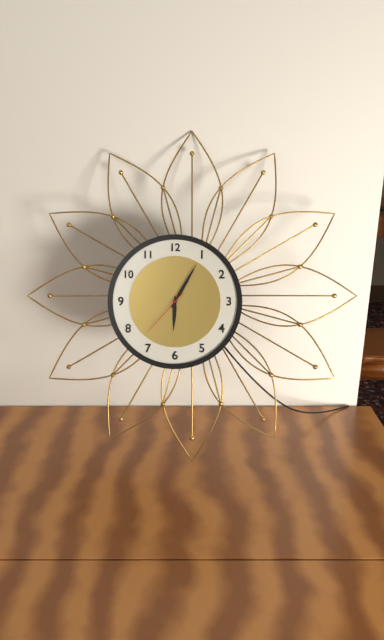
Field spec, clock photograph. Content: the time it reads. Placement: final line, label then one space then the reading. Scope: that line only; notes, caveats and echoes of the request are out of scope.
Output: 6:05:37
